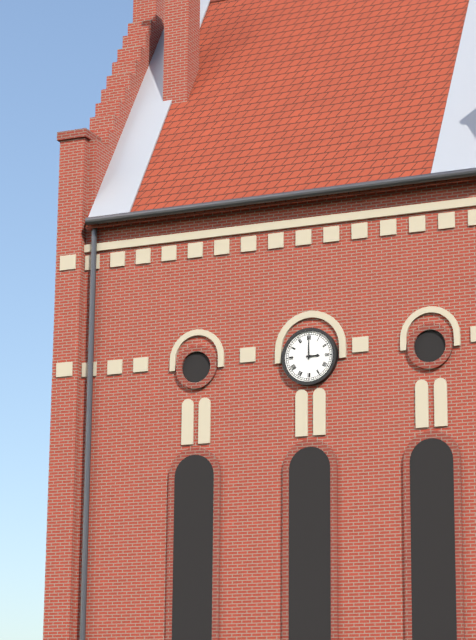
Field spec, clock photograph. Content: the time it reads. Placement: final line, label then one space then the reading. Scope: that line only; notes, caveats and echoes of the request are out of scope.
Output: 3:00
